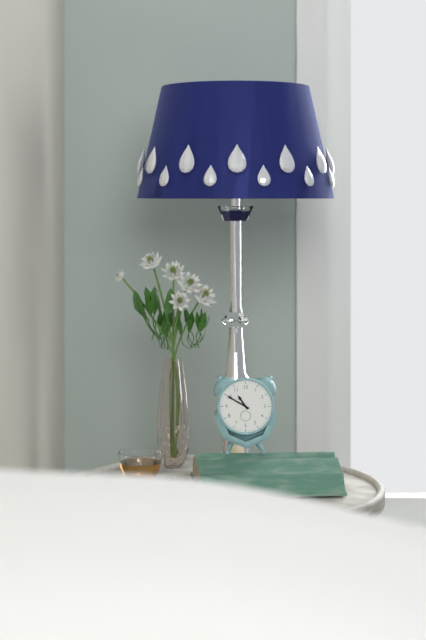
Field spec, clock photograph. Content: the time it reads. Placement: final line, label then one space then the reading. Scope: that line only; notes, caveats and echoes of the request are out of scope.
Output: 10:50
